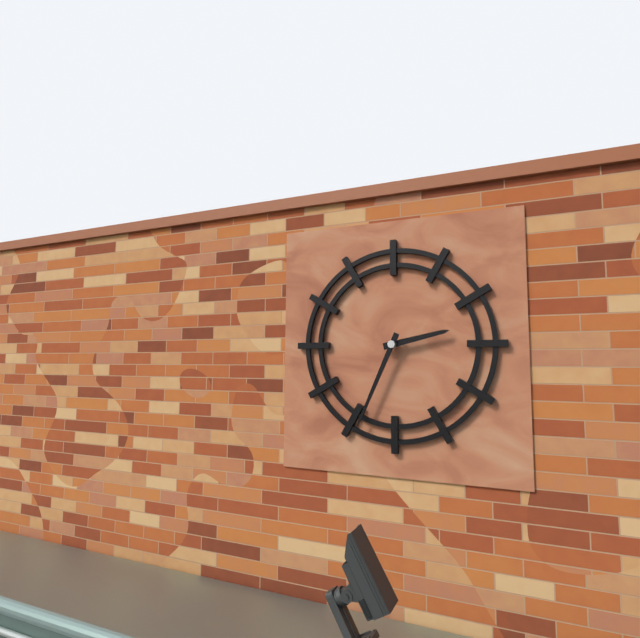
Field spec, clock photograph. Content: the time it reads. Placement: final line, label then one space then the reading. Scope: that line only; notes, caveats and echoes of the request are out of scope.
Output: 2:34
